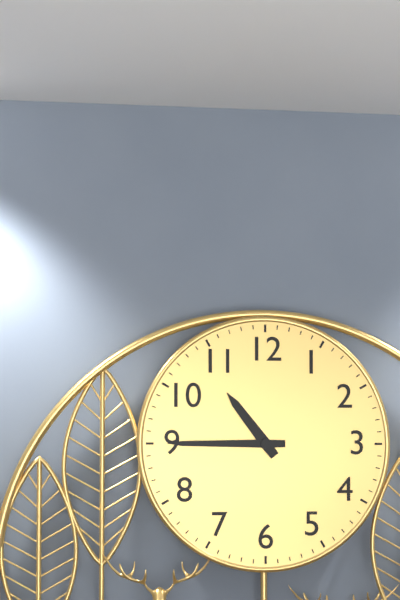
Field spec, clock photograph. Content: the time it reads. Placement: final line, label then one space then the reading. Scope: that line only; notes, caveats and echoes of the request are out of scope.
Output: 10:45
